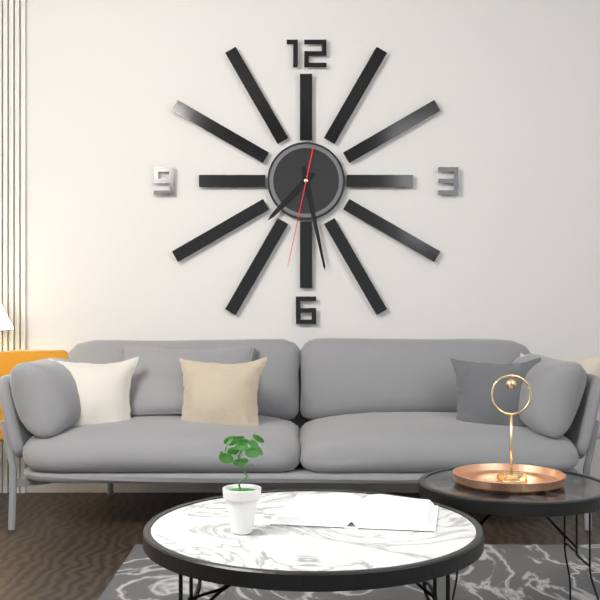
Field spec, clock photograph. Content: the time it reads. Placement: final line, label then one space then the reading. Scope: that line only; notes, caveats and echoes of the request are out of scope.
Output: 7:28:32
